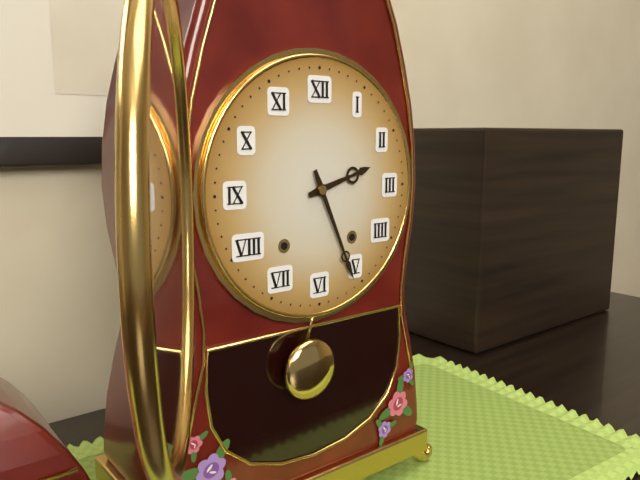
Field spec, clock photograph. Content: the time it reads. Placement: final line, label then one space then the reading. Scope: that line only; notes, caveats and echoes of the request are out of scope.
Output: 2:26
